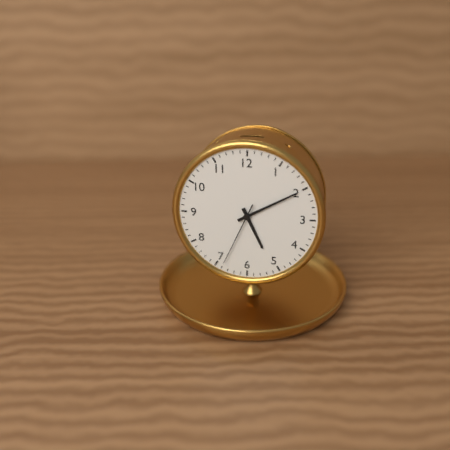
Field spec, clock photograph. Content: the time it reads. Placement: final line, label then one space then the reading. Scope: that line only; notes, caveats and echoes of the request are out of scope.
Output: 5:10:34
